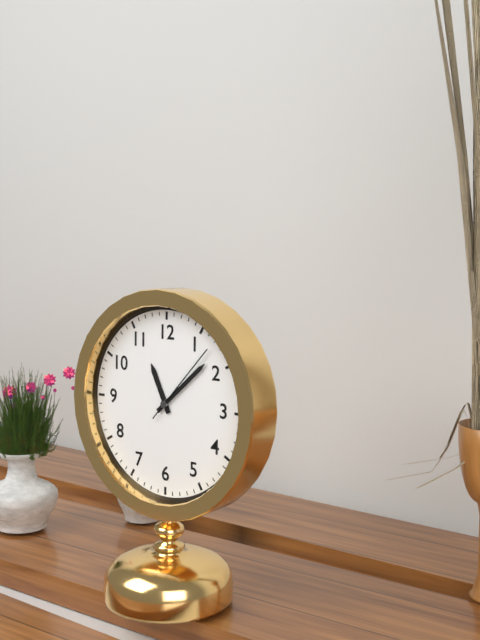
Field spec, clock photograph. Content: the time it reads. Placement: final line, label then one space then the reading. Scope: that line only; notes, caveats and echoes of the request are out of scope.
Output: 11:08:07
